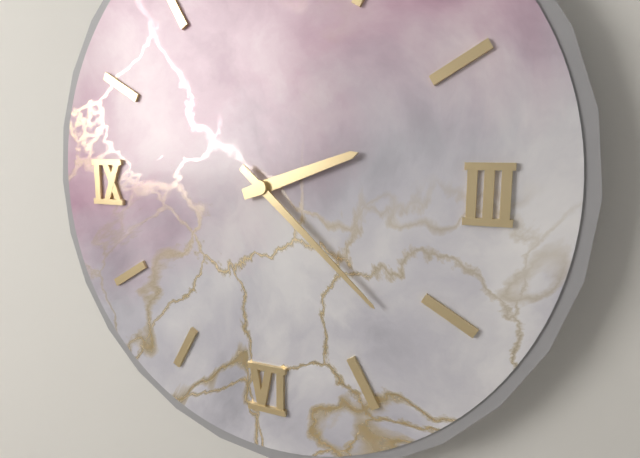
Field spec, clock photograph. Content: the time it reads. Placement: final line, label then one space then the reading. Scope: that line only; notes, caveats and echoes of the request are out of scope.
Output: 2:22
